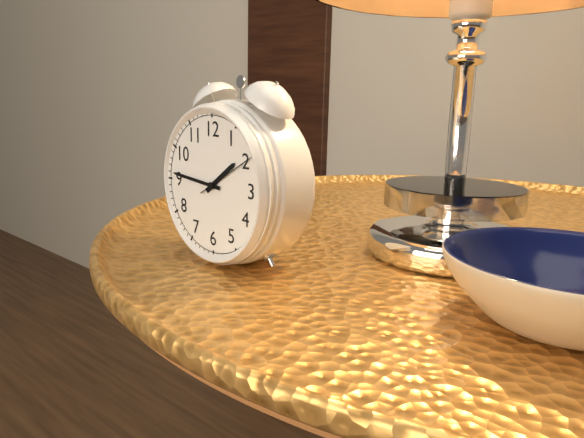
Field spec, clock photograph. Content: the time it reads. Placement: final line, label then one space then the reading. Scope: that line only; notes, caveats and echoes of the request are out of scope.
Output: 1:46:10
